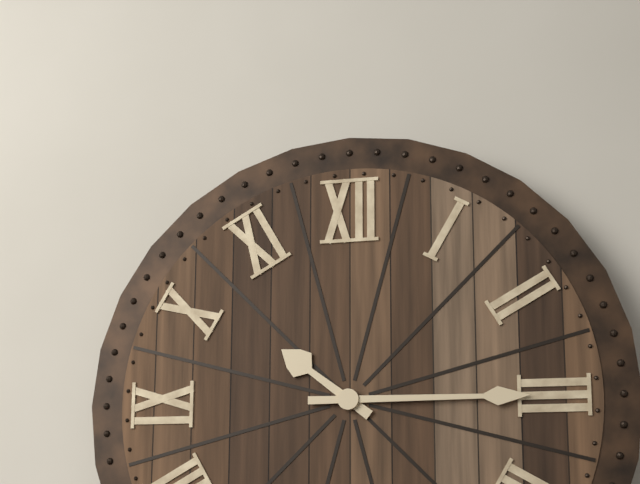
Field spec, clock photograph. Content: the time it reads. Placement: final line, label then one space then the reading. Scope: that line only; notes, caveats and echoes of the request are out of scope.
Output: 10:15
